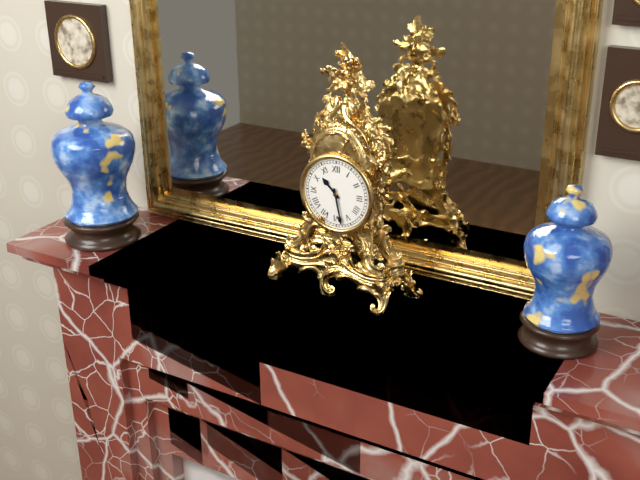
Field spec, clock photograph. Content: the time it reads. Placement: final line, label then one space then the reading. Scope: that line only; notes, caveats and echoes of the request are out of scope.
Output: 10:28
